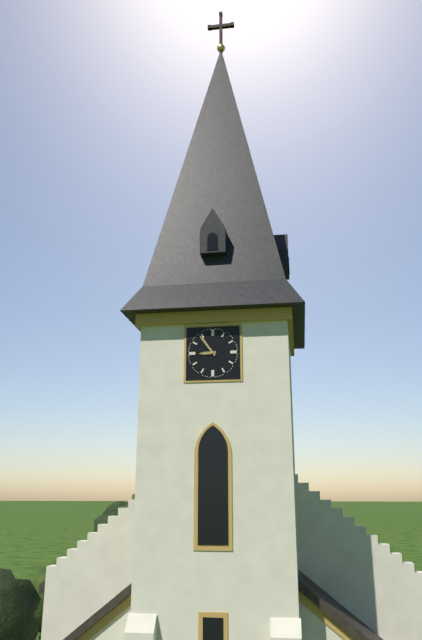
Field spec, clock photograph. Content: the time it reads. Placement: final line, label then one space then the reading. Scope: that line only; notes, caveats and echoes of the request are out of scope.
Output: 8:54
